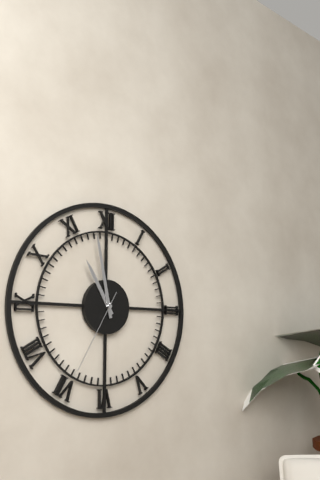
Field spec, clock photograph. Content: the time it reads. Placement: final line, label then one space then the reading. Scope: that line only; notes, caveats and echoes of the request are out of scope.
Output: 10:58:35
